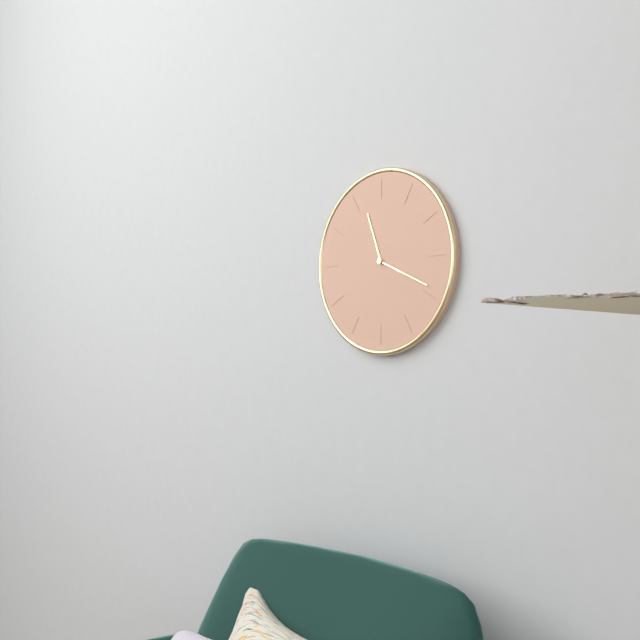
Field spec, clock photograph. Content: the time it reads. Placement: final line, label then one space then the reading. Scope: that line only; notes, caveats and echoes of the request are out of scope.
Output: 11:19
